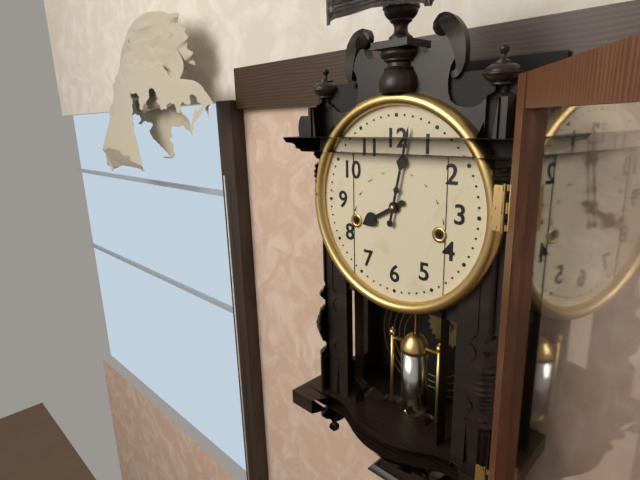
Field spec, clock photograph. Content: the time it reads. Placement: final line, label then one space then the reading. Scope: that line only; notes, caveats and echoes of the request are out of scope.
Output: 8:02
